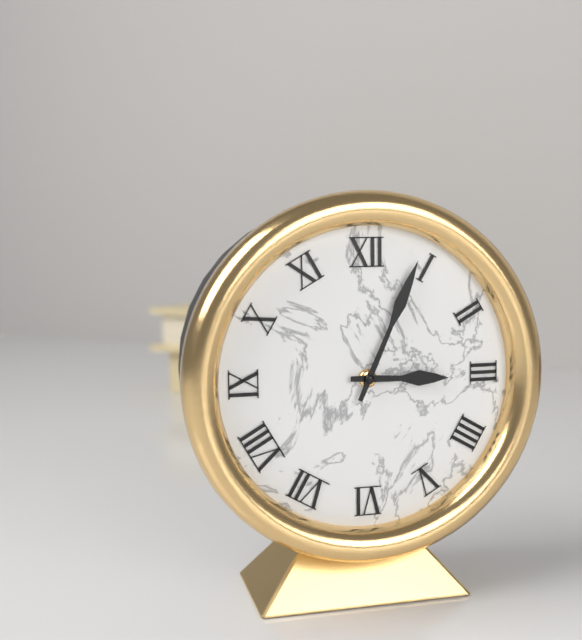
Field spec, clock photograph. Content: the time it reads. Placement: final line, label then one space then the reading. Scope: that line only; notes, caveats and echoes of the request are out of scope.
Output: 3:04
